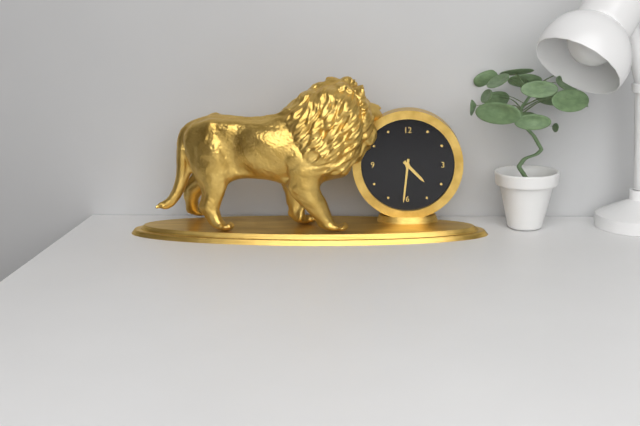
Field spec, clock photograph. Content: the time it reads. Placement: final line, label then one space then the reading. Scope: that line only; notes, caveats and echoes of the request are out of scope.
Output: 4:31
